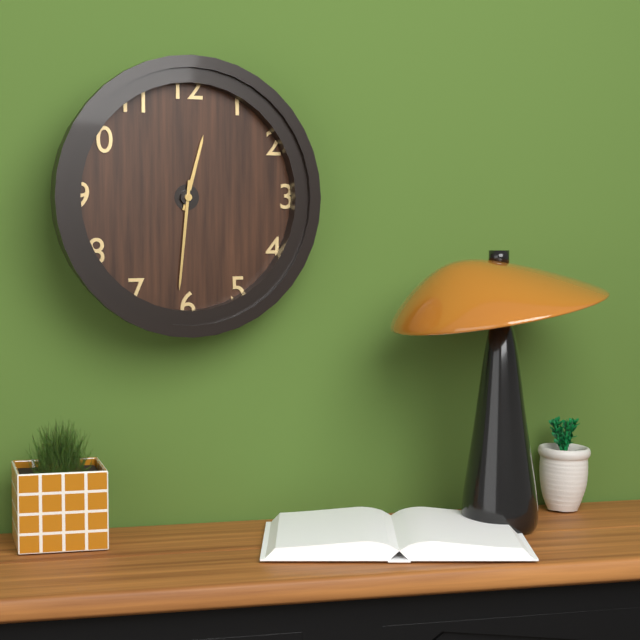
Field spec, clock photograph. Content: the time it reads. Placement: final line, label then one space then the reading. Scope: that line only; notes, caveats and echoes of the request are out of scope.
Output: 12:31
